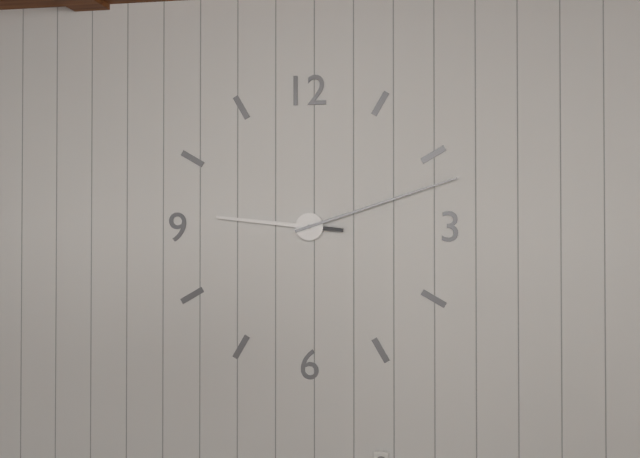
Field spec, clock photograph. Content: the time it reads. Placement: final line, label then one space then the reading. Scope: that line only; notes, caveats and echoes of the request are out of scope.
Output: 9:12
